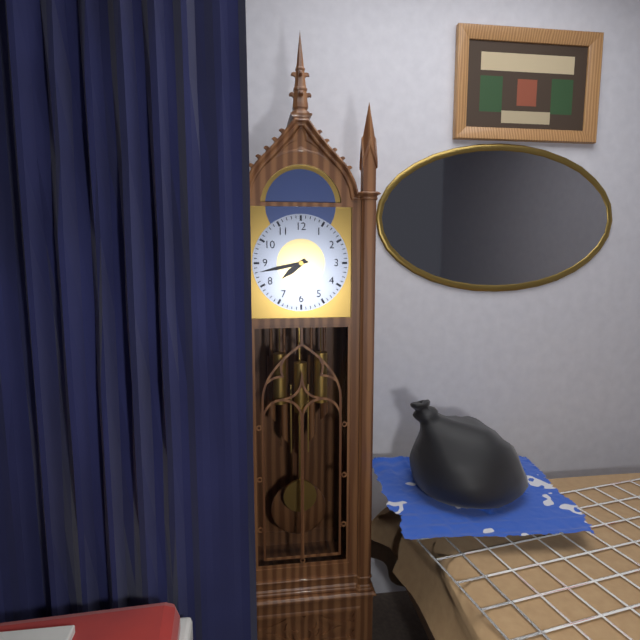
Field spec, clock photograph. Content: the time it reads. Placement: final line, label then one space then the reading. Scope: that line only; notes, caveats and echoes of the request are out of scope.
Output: 7:43
